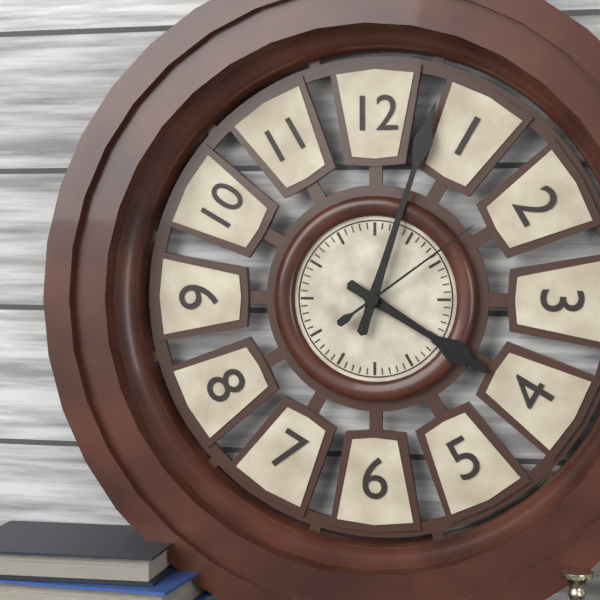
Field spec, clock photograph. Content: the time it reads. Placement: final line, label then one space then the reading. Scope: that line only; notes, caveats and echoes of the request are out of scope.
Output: 4:03:09
